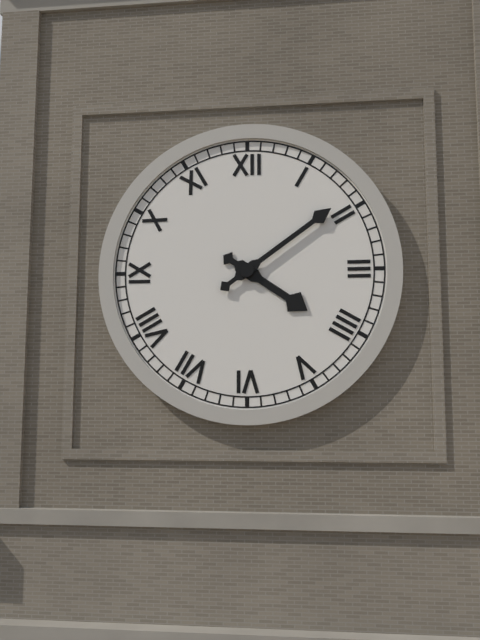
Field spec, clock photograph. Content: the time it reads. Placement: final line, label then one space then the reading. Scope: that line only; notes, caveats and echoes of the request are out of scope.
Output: 4:09
